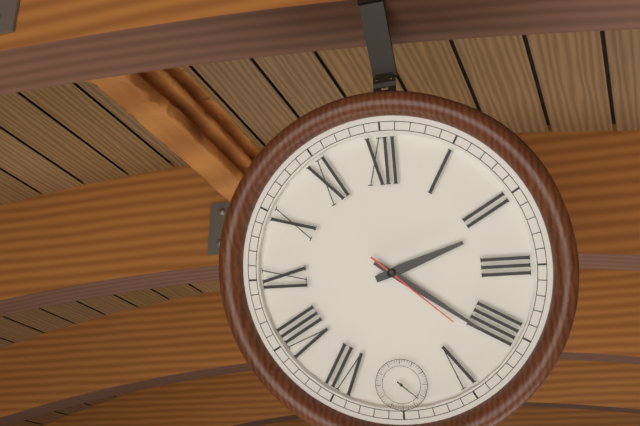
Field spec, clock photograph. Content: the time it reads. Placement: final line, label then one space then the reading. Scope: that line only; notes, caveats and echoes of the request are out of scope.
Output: 2:21:22
